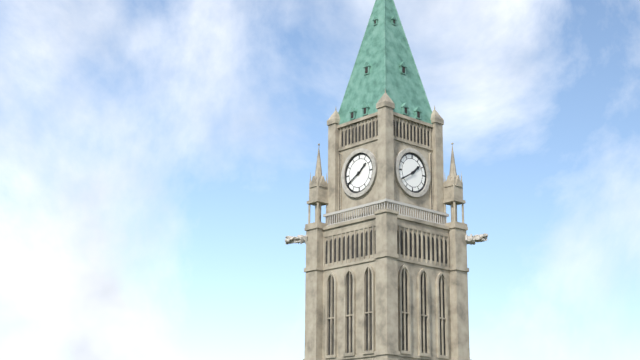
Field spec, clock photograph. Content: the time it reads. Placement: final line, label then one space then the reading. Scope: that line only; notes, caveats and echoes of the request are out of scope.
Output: 1:40
